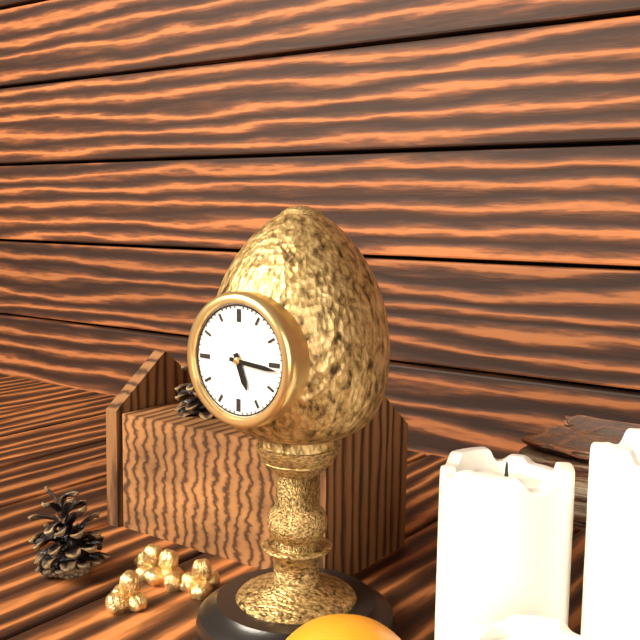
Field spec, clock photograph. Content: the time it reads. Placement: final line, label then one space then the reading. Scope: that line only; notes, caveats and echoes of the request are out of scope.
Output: 5:16
